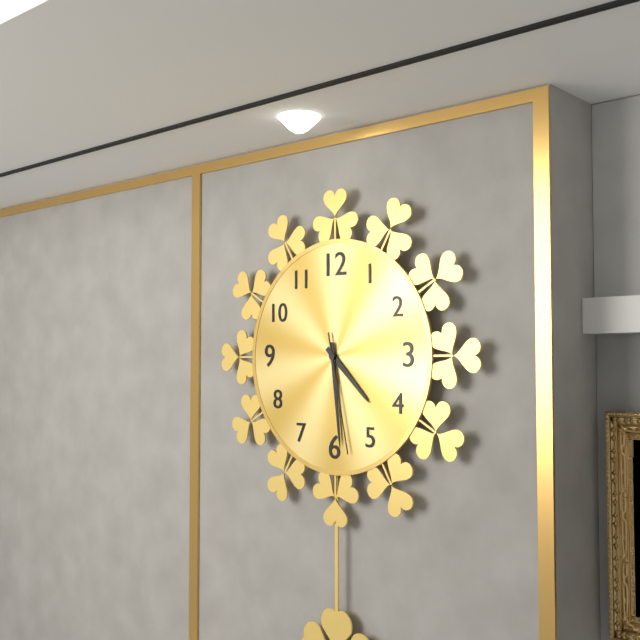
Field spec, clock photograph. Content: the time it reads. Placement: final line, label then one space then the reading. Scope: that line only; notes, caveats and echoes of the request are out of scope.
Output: 4:29:28
